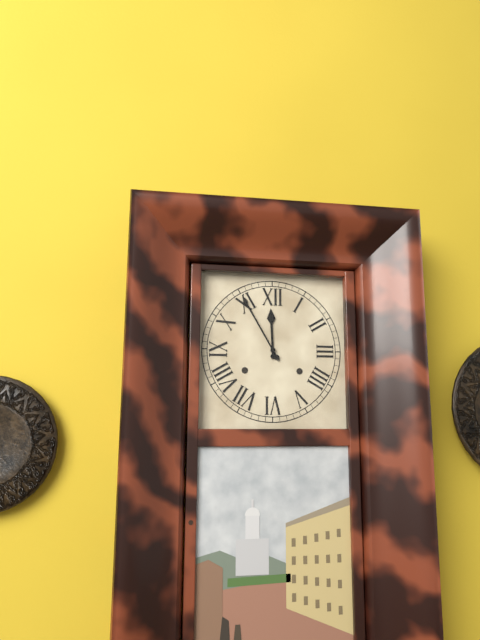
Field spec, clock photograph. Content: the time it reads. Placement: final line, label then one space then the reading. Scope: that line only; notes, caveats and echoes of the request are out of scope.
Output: 11:55
